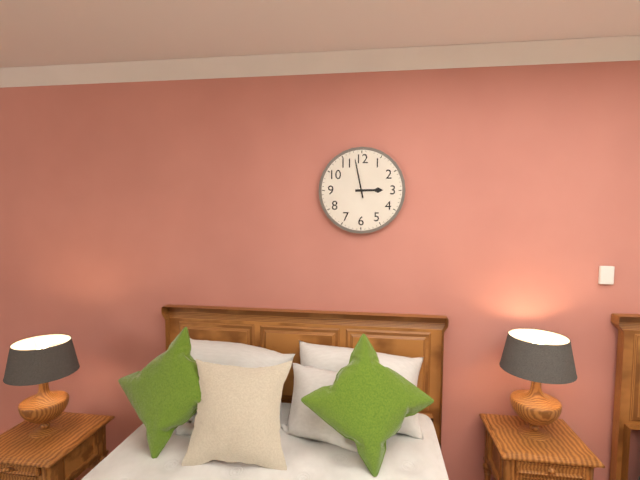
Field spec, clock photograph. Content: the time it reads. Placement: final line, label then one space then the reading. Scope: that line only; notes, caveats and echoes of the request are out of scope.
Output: 2:58
